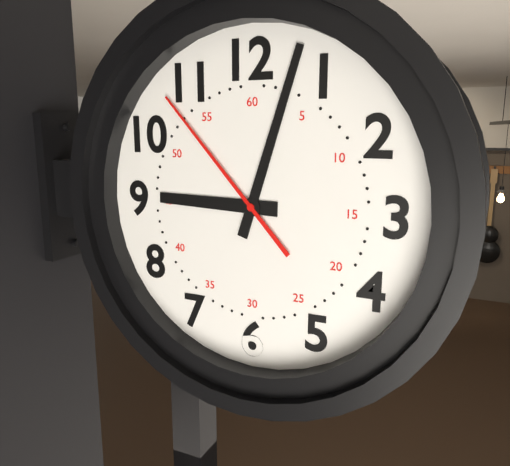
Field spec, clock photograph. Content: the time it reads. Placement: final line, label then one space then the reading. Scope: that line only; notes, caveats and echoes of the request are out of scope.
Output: 9:03:53
